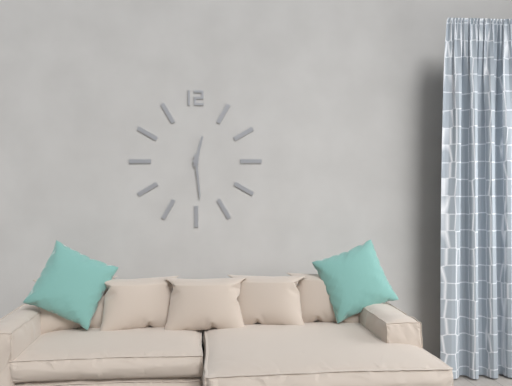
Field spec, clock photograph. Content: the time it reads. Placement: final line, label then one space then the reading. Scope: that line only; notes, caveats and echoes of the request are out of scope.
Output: 12:29
